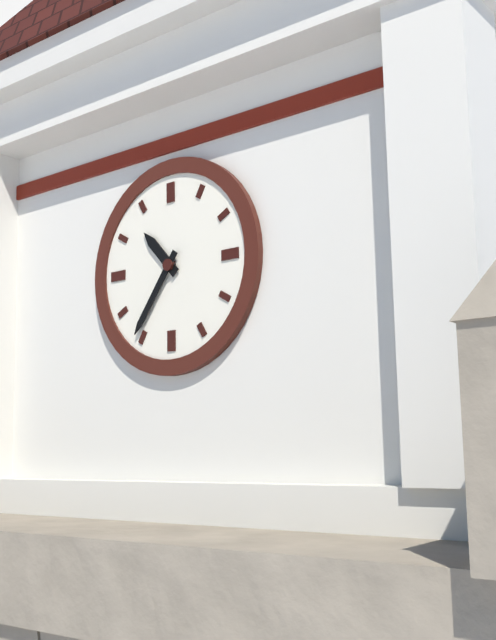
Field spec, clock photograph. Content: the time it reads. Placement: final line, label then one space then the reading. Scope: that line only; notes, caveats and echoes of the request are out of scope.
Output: 10:36
